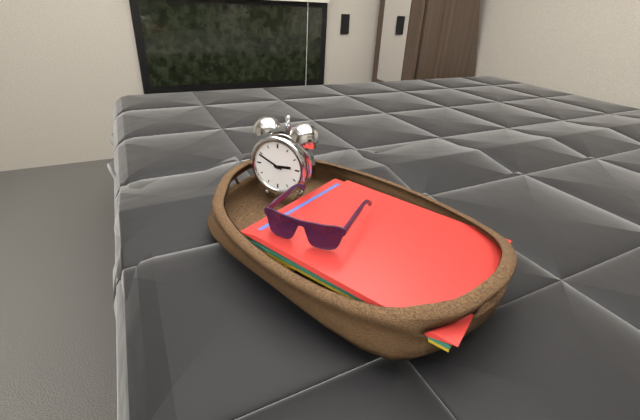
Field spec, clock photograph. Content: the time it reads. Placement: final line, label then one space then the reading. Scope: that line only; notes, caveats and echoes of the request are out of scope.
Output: 2:49
